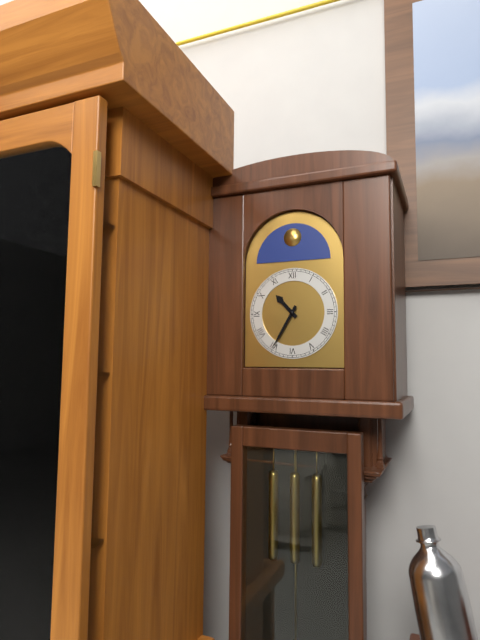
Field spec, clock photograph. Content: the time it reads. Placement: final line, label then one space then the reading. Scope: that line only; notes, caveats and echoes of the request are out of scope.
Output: 10:35
